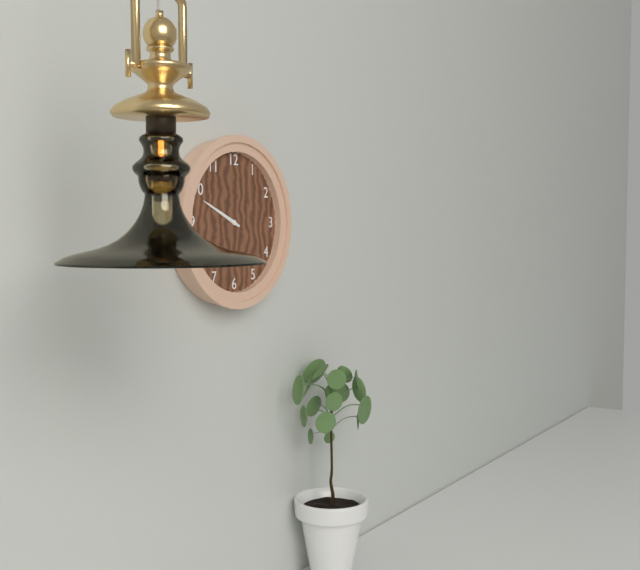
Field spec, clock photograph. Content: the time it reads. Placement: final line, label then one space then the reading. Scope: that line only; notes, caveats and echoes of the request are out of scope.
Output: 9:49
